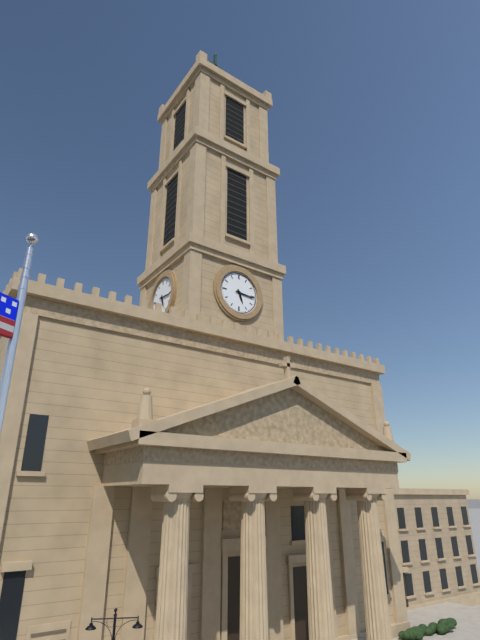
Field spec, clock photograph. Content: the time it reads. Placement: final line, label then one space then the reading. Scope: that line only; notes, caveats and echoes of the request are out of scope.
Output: 5:16
